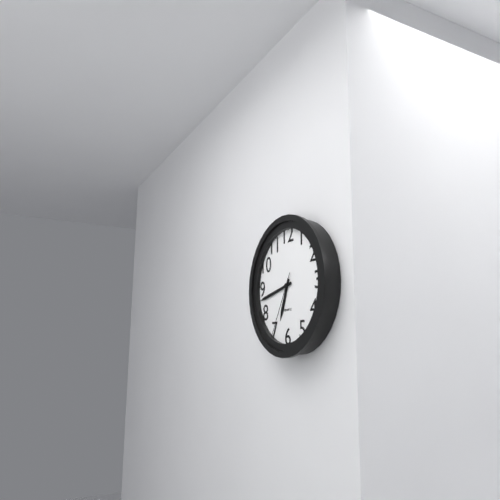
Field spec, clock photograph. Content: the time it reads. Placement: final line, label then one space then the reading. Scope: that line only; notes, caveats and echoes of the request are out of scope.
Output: 6:43:35
